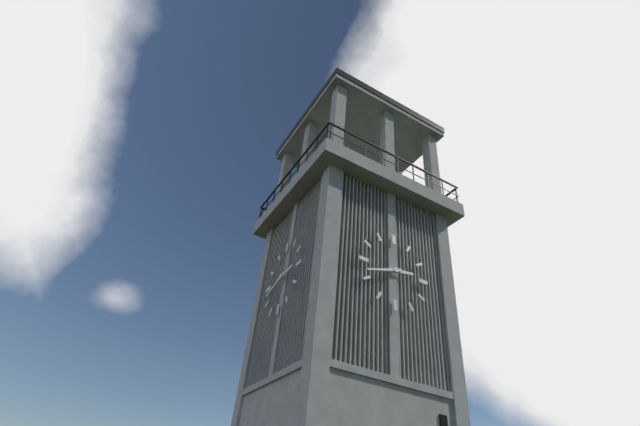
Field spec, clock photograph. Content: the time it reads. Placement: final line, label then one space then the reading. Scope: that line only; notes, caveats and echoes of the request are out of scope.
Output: 2:42
